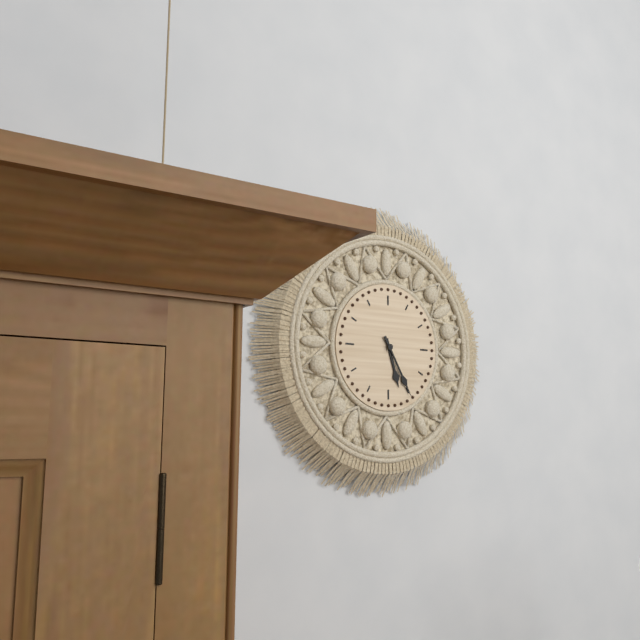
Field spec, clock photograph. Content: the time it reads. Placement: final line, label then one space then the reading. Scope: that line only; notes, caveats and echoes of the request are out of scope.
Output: 5:25
